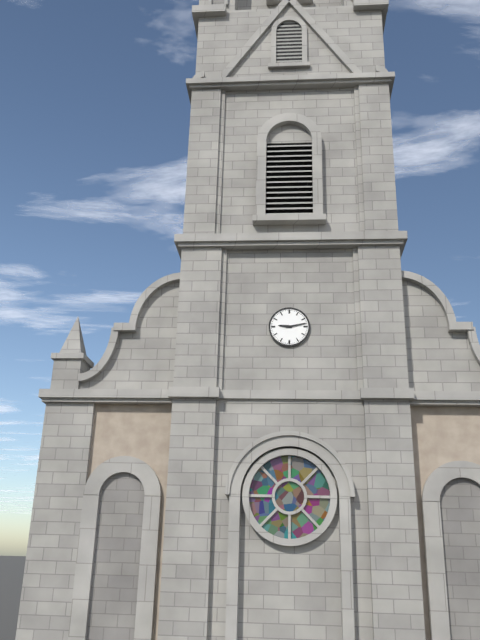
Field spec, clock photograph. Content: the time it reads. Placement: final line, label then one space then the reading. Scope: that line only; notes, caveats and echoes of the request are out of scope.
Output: 9:13
